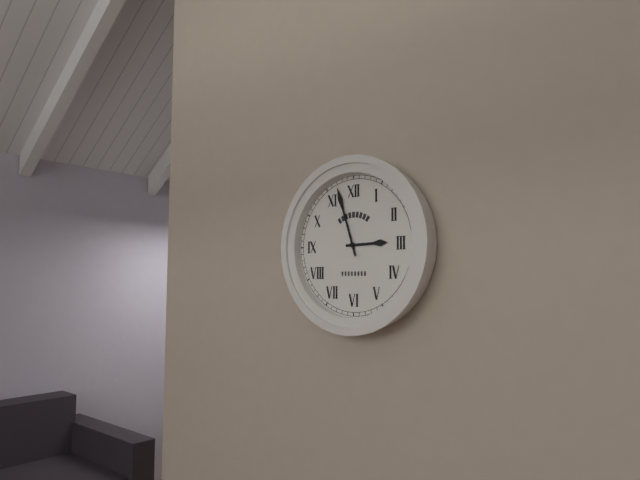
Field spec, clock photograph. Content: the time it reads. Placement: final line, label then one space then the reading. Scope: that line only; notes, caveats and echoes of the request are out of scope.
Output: 2:57
